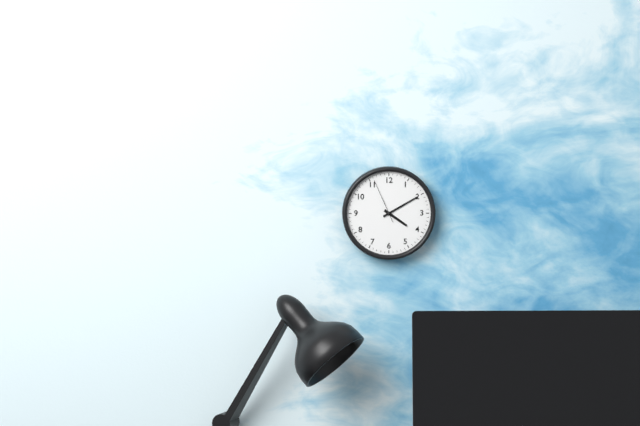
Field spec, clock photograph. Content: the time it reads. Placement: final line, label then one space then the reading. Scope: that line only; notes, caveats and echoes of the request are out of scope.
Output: 4:10
